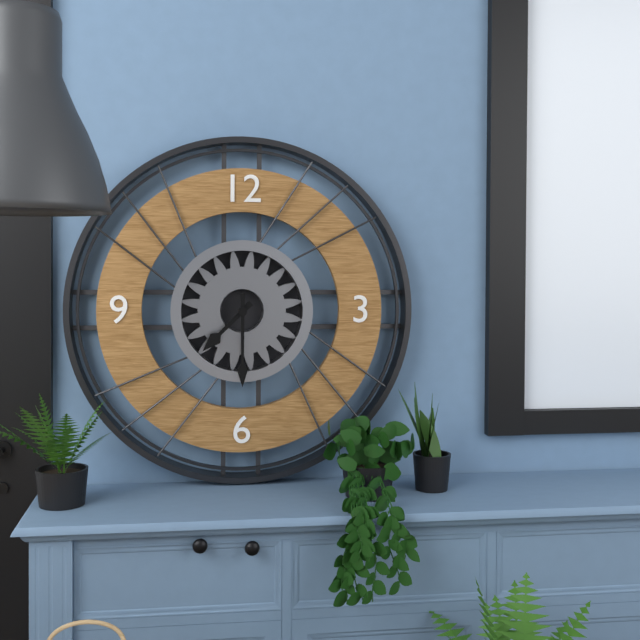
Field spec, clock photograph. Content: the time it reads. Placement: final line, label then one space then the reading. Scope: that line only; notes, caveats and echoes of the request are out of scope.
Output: 7:30
